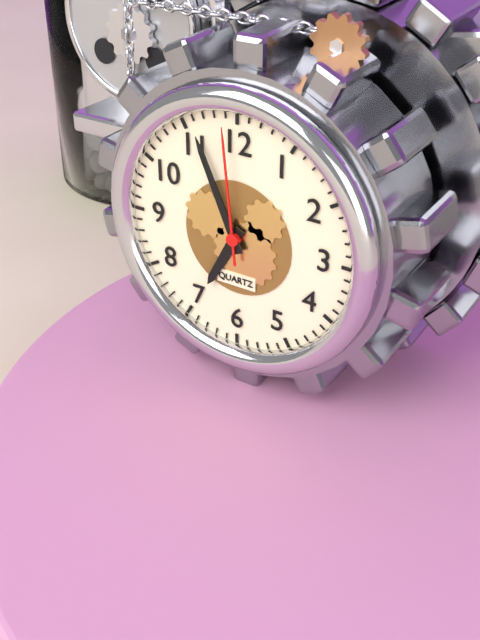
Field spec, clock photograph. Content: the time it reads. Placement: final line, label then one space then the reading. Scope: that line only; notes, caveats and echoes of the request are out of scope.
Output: 6:56:59
